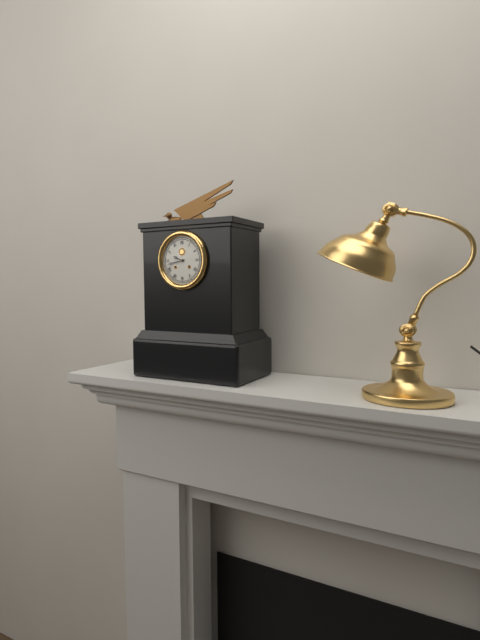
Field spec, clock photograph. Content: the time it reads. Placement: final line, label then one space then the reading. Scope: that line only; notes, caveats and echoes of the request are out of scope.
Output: 9:43
